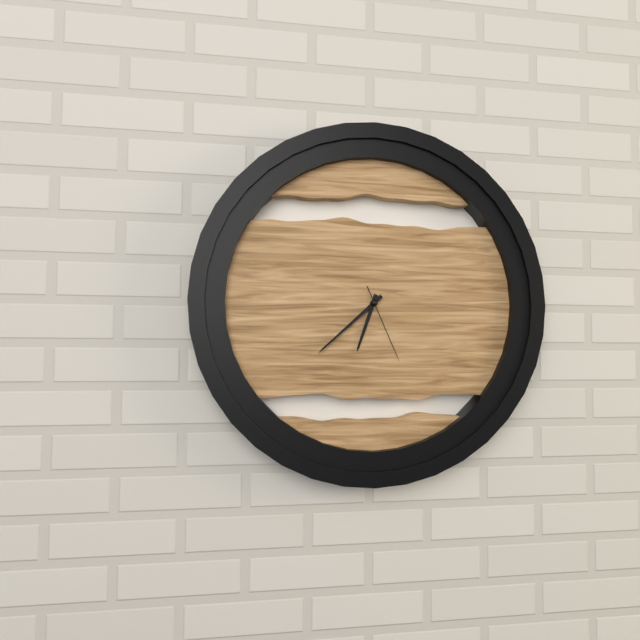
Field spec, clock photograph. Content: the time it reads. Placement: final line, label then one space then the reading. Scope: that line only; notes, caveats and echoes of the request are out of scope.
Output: 6:38:26
